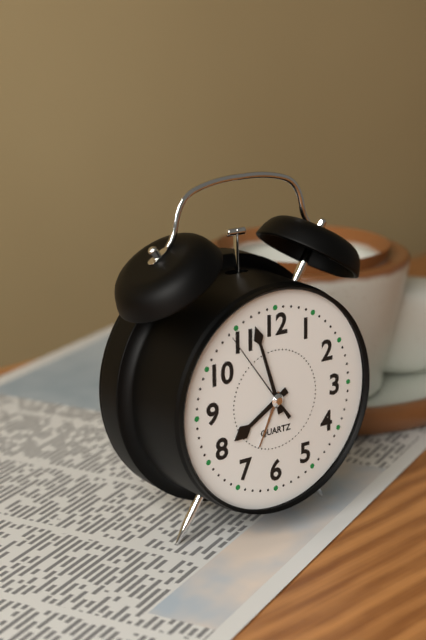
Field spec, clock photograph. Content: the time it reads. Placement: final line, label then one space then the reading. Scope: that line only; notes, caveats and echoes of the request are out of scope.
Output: 7:57:54
